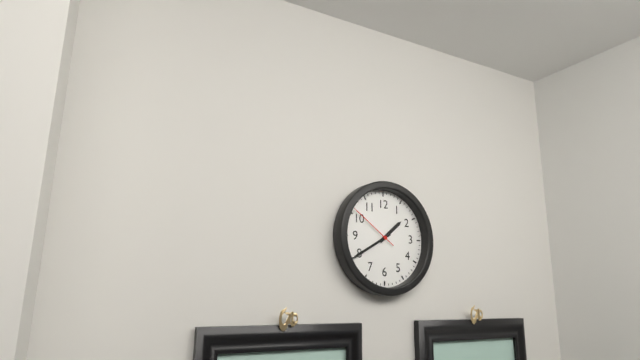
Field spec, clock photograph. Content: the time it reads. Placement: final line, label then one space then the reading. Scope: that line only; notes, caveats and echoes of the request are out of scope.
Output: 1:40:51
